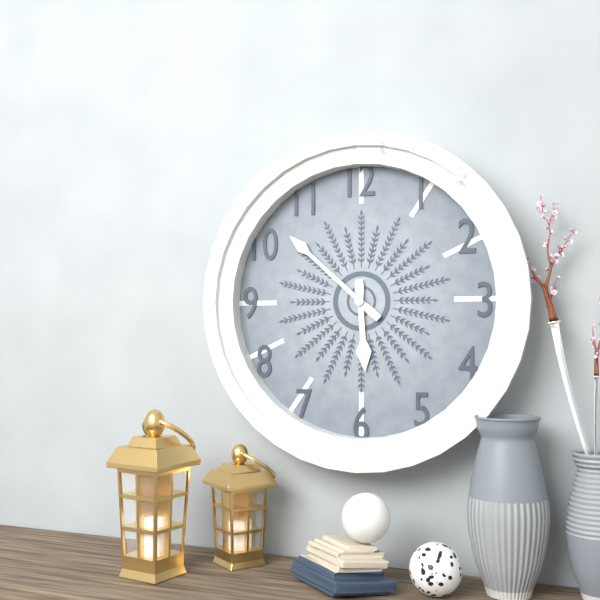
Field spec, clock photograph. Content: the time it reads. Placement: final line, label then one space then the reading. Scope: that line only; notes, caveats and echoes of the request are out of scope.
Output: 5:52
